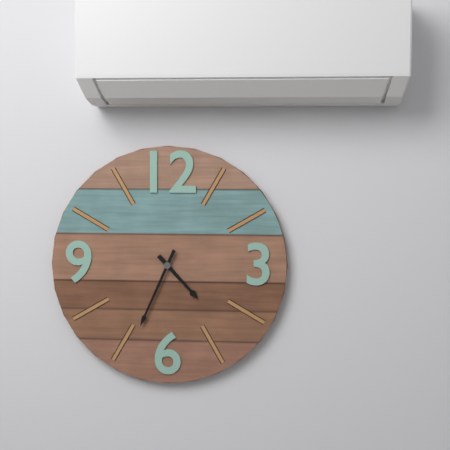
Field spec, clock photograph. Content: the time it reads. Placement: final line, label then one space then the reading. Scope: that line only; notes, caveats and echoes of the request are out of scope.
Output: 4:34
